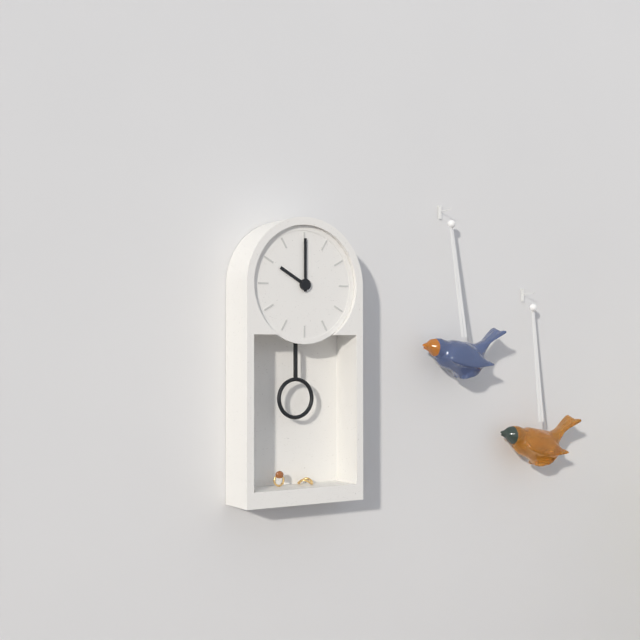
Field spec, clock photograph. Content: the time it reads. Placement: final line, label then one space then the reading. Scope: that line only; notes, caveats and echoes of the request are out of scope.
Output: 10:00
